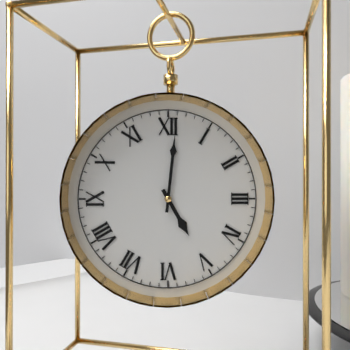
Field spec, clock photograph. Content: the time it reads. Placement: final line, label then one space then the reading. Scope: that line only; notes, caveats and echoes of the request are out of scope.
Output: 5:01
